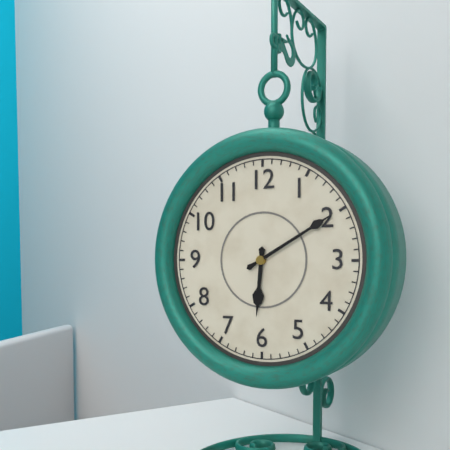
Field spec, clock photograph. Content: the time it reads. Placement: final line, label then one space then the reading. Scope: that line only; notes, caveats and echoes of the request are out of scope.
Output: 6:10
